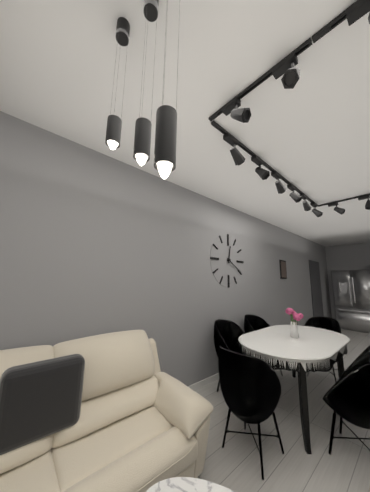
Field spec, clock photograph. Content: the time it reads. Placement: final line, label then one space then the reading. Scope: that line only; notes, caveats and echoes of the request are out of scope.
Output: 12:20
